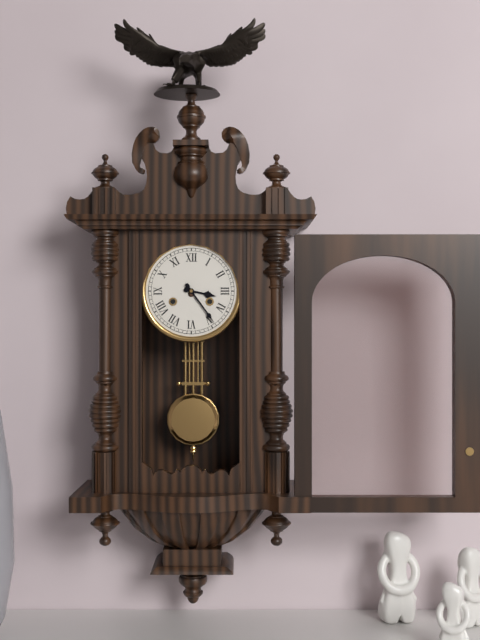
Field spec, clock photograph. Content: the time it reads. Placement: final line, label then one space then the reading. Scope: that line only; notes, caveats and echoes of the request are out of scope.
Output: 3:24
